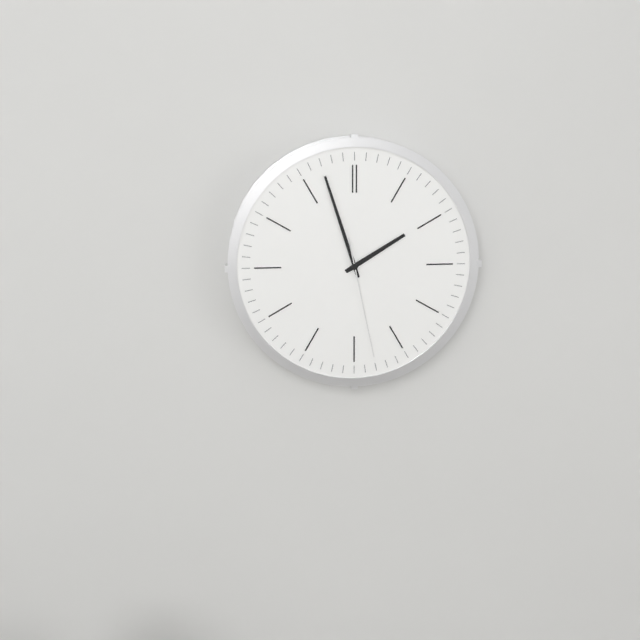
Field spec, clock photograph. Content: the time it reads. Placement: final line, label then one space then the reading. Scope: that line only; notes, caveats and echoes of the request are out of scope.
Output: 1:57:28
